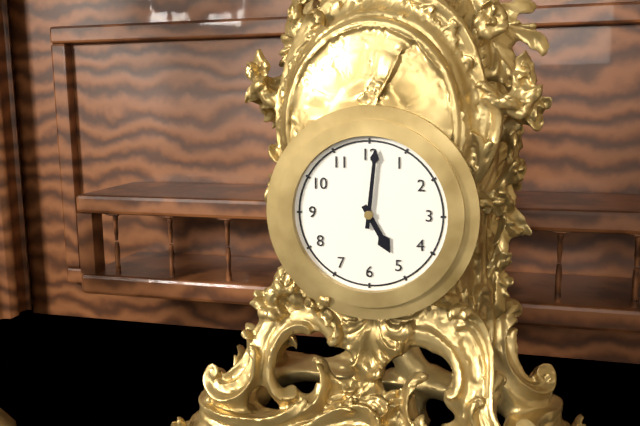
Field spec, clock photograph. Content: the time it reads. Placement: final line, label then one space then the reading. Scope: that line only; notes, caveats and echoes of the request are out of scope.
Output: 5:01
